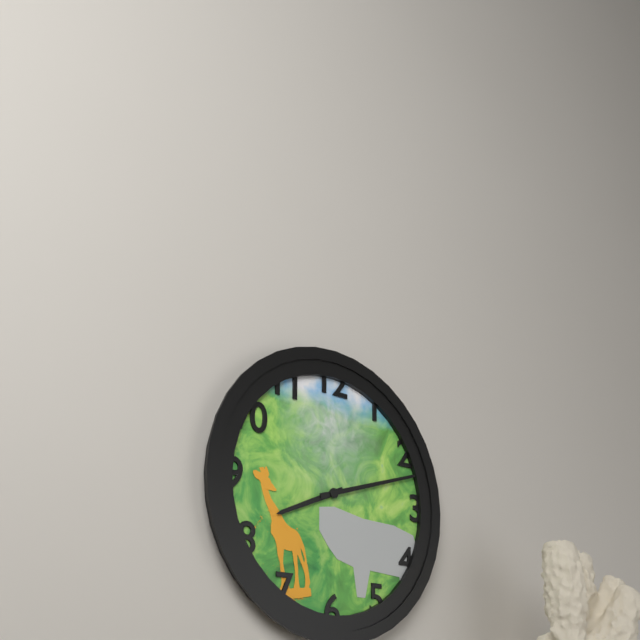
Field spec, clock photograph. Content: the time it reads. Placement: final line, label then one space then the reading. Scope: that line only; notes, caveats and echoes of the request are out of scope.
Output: 8:12
